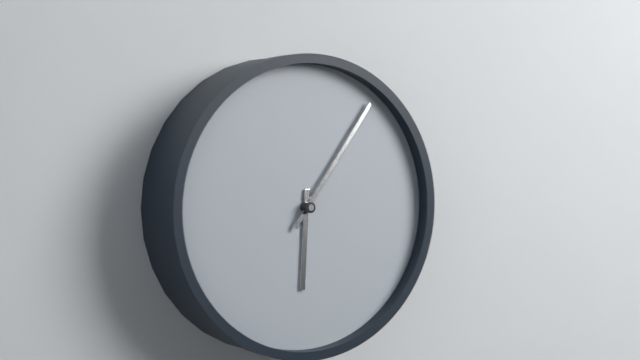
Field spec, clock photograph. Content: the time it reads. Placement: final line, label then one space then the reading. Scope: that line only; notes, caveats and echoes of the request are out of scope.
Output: 6:06
